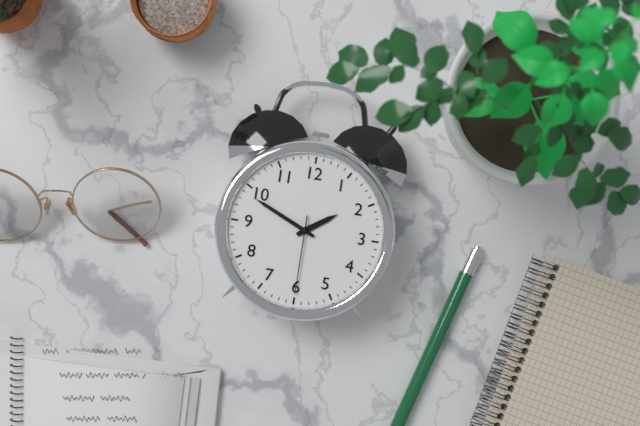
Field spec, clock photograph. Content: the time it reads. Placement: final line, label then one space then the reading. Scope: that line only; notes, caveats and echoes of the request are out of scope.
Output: 1:49:30
